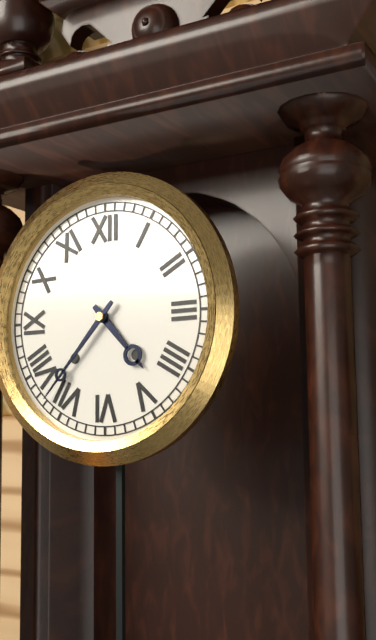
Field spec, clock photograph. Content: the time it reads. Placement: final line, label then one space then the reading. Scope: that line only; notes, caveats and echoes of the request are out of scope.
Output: 4:37
